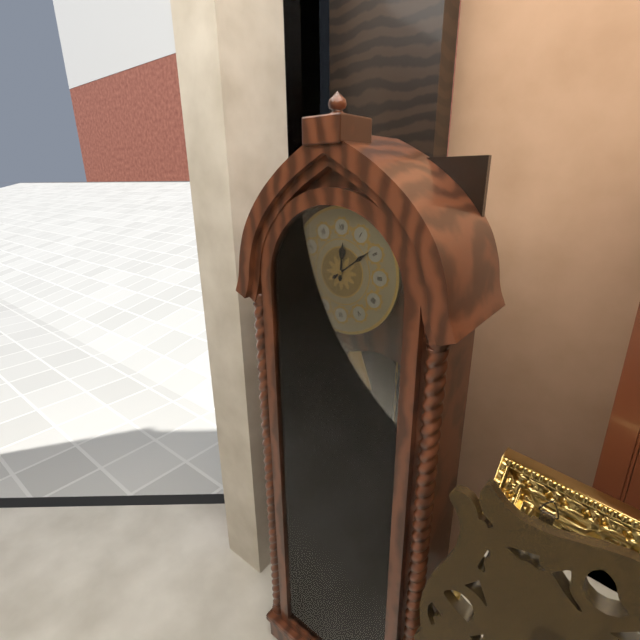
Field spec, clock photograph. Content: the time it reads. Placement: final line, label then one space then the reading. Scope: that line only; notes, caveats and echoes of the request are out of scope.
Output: 12:09
